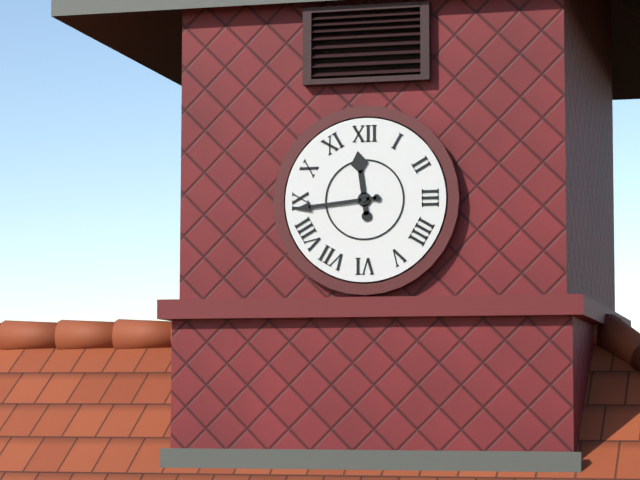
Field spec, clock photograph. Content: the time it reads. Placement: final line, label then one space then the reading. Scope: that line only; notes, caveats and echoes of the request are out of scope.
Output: 11:44
